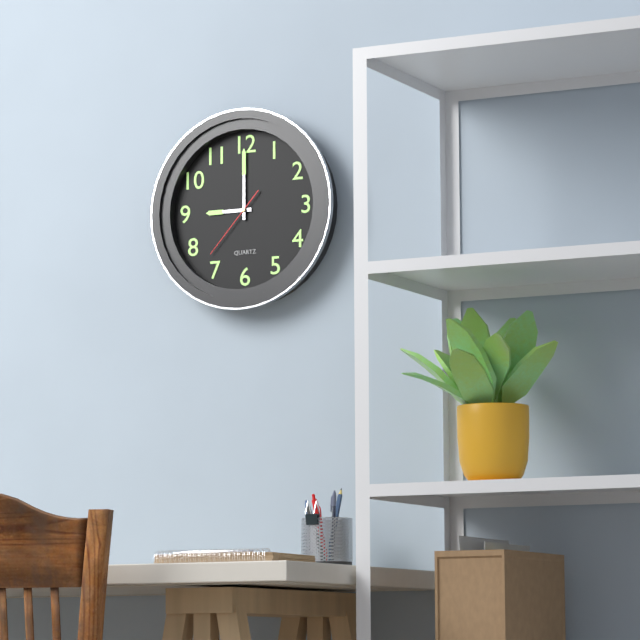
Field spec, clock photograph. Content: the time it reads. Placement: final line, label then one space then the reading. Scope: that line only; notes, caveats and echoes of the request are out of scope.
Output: 9:00:37
